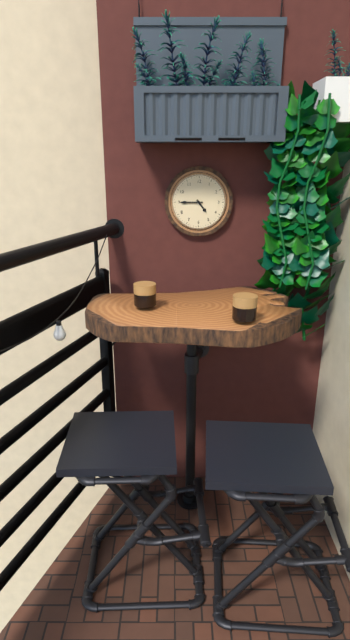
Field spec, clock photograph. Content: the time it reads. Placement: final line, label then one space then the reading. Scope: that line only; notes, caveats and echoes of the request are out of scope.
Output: 4:45
